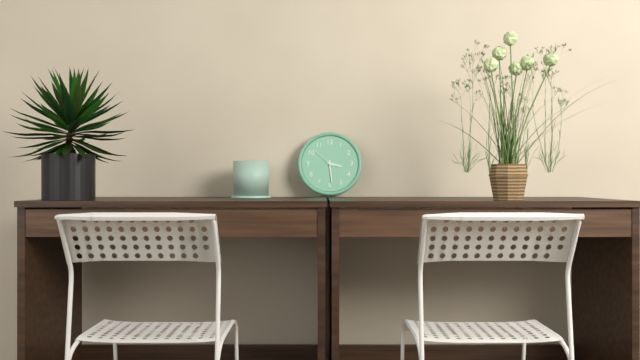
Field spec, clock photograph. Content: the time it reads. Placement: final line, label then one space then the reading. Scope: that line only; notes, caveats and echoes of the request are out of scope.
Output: 3:29
